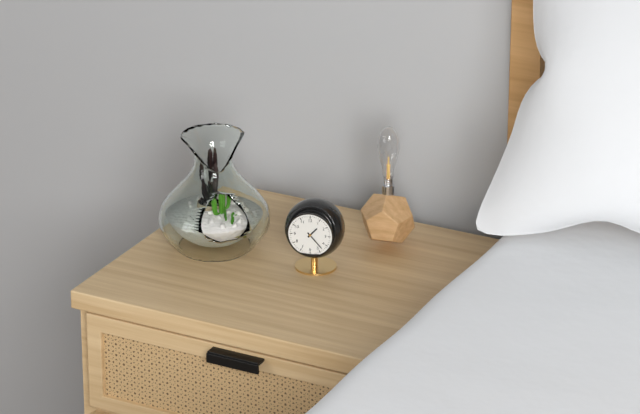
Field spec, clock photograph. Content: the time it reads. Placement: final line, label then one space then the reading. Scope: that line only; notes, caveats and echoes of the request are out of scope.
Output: 1:23
